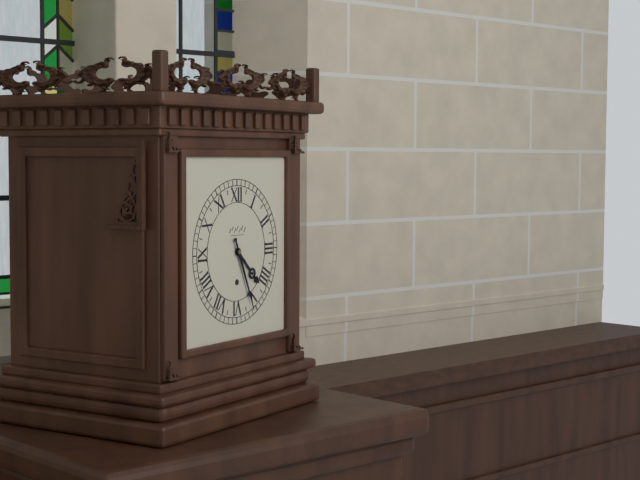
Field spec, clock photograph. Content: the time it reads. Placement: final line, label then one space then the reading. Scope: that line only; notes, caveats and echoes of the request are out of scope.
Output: 4:26
